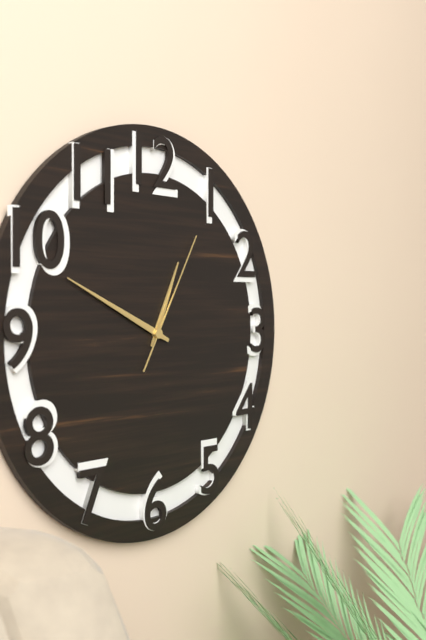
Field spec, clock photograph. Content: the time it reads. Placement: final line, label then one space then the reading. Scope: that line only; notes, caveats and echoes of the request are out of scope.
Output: 12:49:05
